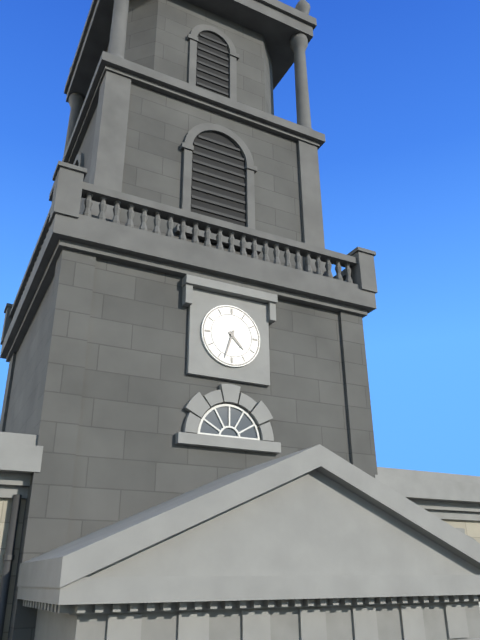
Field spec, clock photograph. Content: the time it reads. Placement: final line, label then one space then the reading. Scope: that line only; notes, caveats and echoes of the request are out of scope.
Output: 4:33
